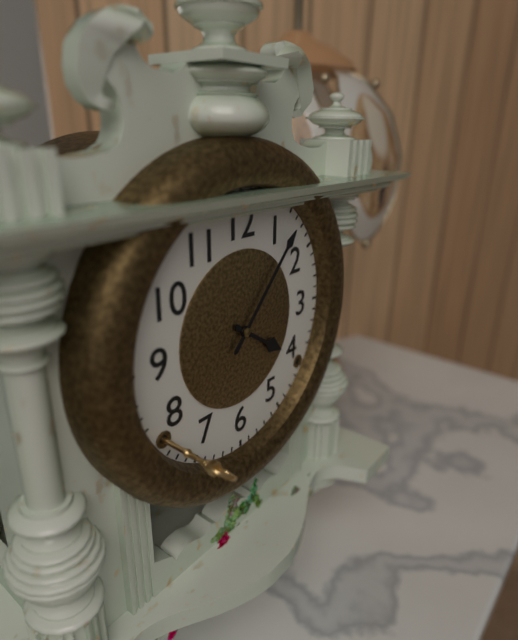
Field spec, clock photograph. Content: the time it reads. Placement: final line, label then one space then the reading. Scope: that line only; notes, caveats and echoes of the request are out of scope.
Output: 4:07
